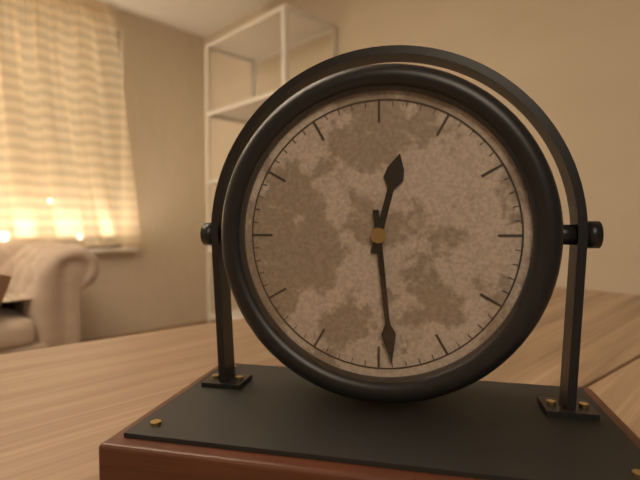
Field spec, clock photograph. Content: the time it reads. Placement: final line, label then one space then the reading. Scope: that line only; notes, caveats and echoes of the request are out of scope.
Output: 12:29
